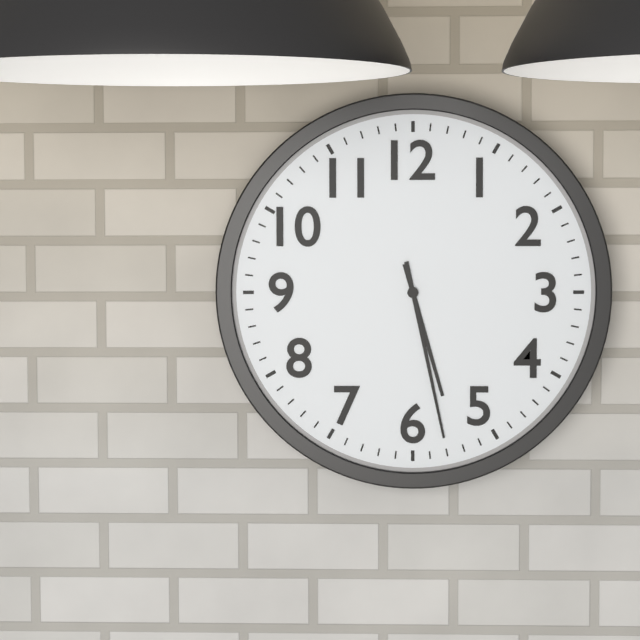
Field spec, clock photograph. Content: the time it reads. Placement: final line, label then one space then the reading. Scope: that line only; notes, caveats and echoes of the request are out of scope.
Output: 5:28
